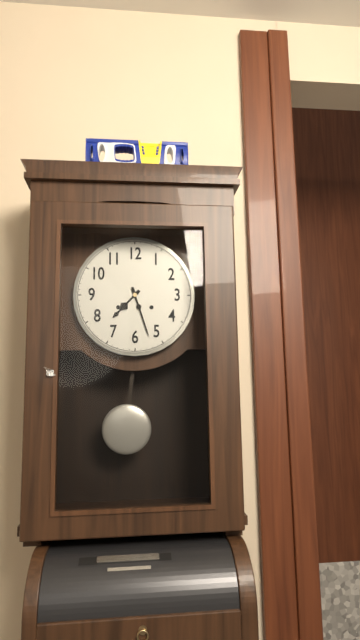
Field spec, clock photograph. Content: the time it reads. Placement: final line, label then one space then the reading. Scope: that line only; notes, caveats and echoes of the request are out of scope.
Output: 7:27
